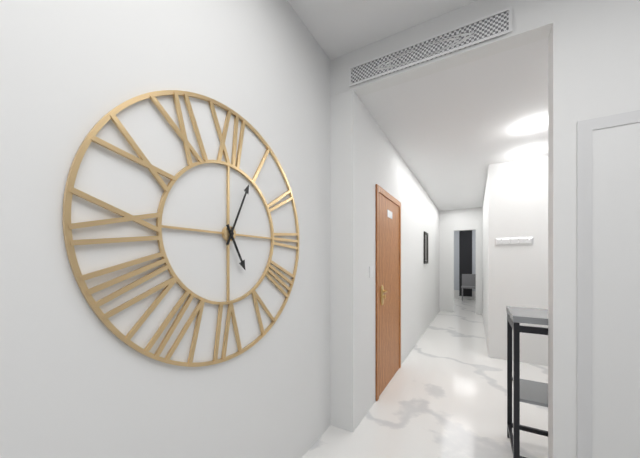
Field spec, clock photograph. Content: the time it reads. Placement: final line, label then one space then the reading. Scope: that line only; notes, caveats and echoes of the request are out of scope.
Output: 5:04
